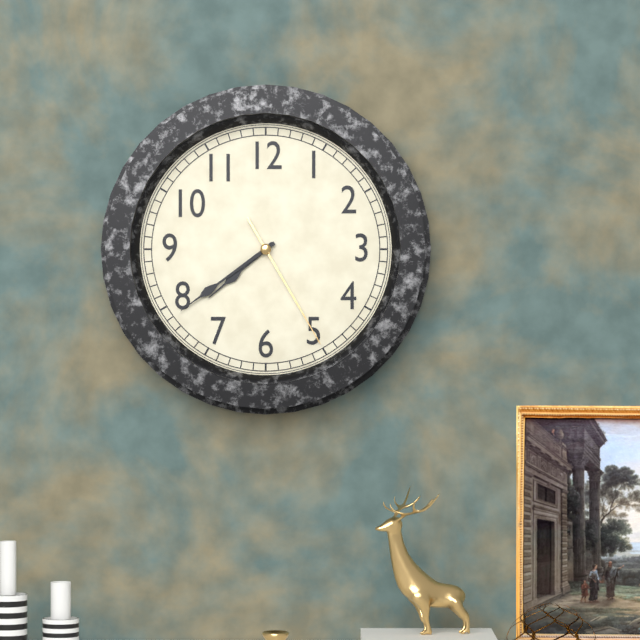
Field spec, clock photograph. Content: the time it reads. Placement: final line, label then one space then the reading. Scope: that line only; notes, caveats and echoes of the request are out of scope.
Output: 7:39:25
